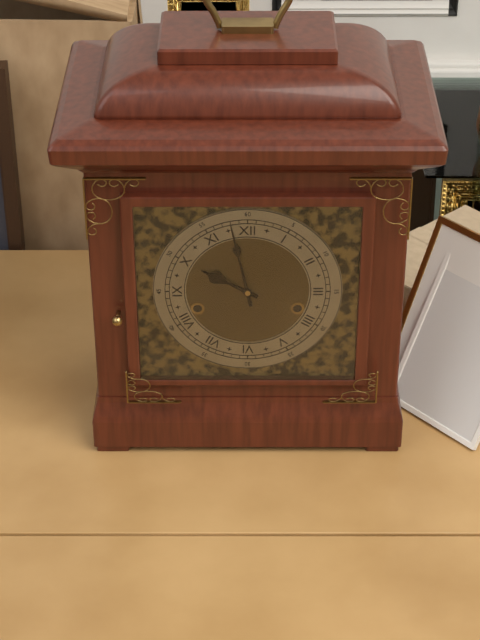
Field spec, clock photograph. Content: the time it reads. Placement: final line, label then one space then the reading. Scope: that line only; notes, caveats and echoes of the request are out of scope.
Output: 9:58
